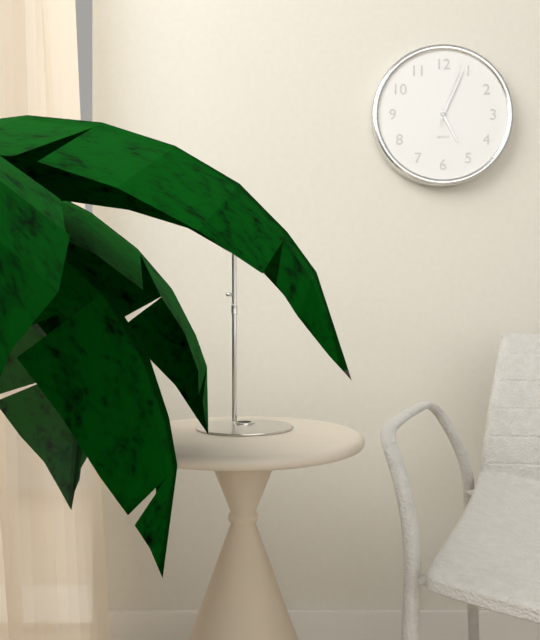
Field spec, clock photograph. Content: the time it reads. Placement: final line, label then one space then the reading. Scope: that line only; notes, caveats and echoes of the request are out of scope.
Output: 5:04:03
